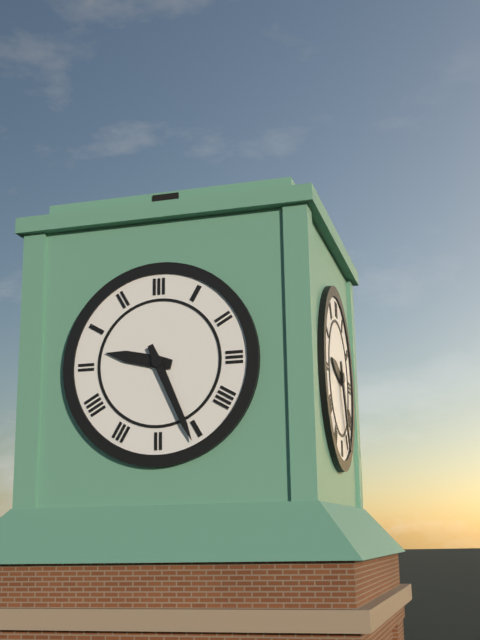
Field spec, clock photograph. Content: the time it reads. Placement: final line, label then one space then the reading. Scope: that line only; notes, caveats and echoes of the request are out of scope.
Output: 9:26
